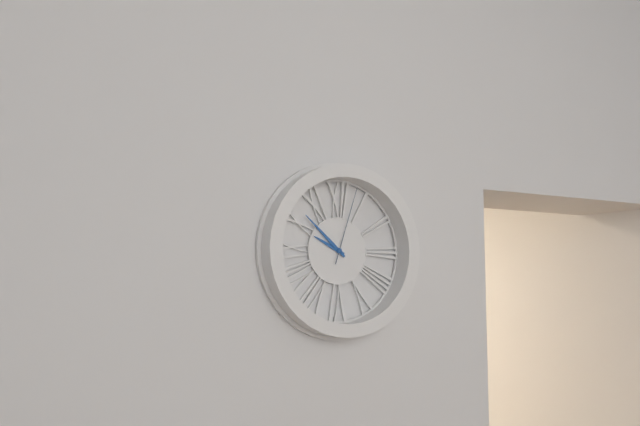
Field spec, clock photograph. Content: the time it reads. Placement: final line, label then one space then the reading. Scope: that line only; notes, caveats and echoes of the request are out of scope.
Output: 9:52:03
